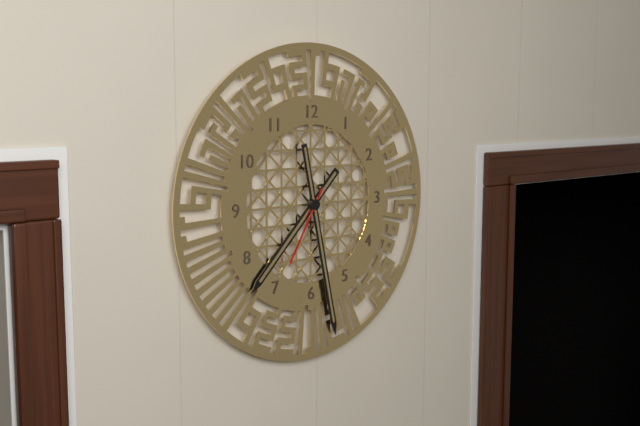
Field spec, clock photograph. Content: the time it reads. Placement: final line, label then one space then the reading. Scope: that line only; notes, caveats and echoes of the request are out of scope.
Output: 7:28:35
